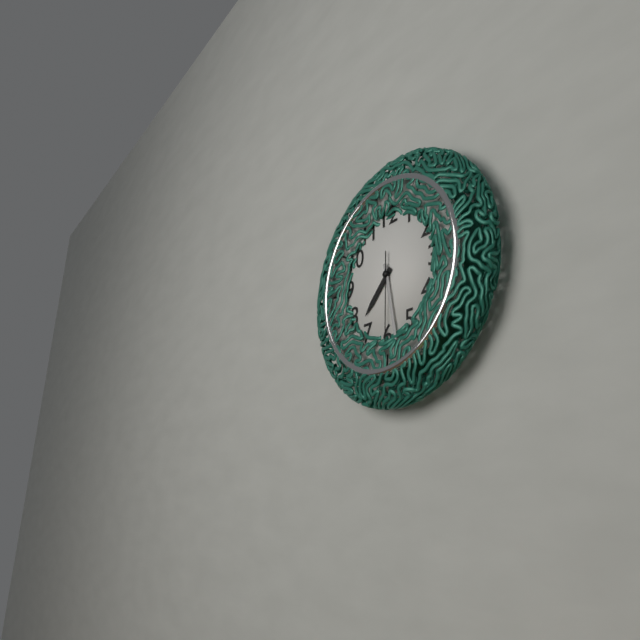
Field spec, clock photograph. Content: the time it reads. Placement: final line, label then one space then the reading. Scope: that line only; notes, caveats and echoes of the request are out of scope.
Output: 7:28:30
